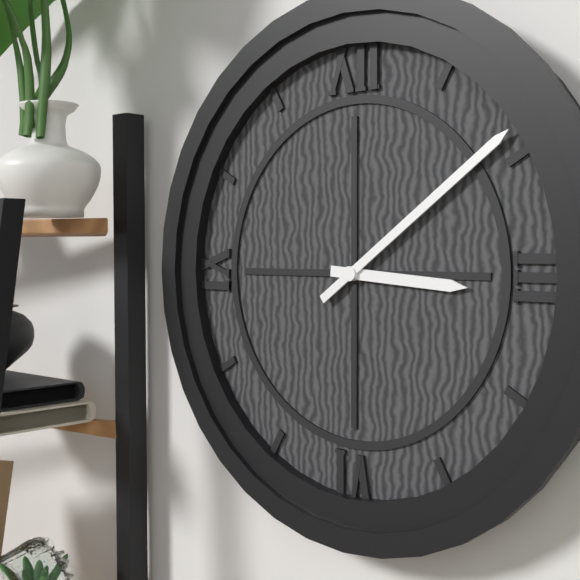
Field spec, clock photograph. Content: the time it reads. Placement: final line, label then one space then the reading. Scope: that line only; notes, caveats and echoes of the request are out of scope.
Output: 3:09
